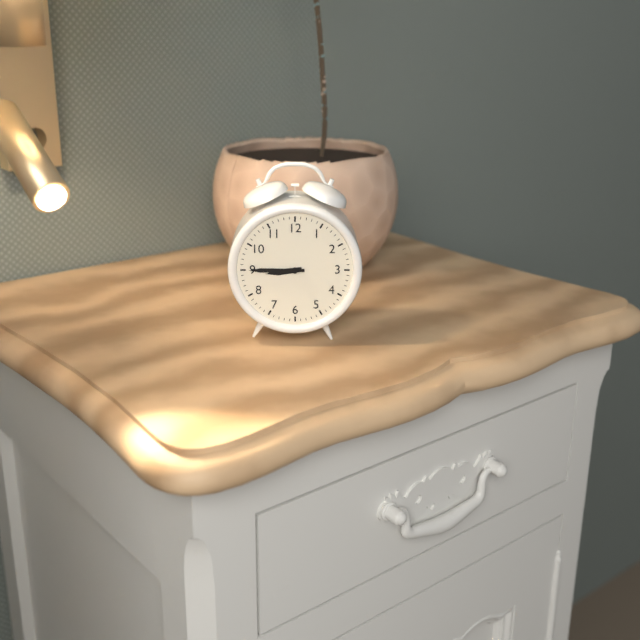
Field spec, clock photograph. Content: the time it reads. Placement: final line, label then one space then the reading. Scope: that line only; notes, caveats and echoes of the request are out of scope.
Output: 8:45
